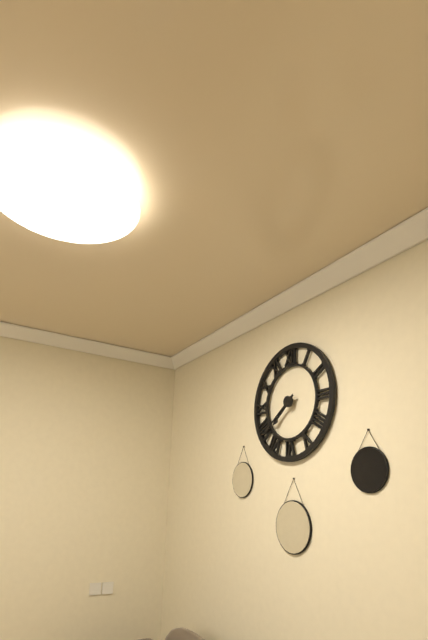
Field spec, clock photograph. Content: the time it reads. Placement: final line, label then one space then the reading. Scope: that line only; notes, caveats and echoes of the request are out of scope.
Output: 7:39
